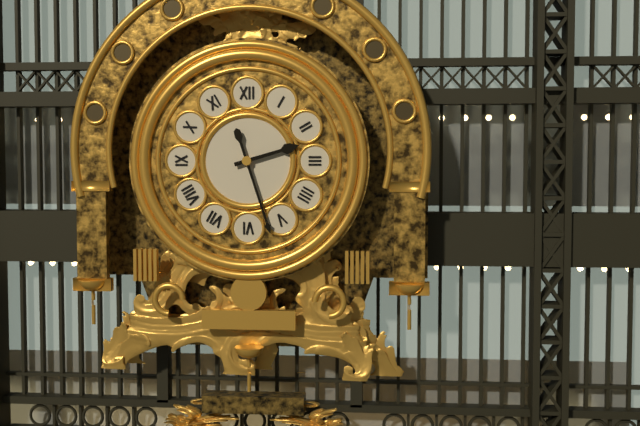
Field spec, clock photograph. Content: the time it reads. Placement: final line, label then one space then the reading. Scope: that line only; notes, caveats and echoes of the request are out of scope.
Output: 2:27
